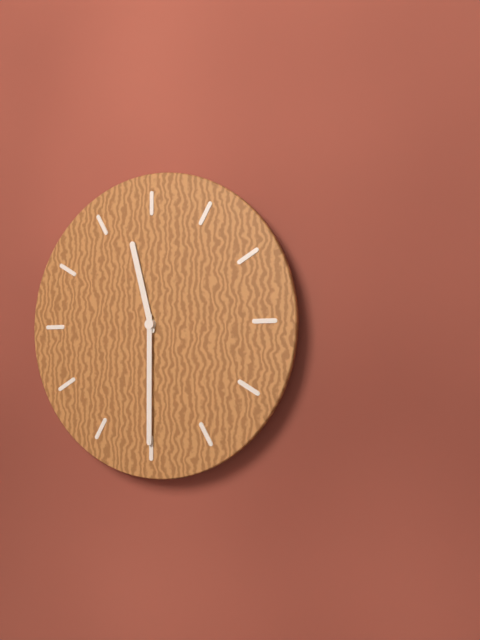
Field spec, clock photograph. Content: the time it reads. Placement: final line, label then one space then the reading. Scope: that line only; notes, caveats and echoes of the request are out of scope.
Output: 11:30
